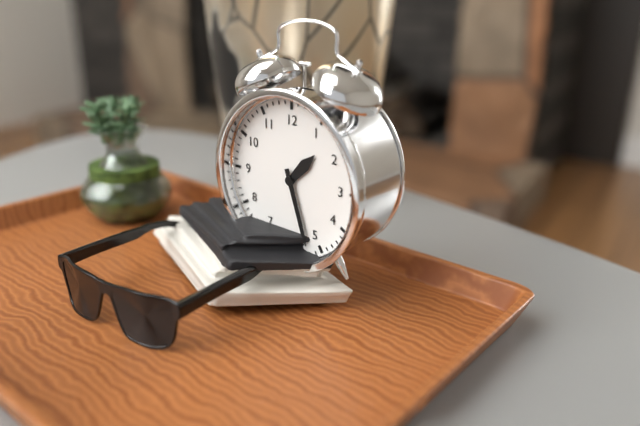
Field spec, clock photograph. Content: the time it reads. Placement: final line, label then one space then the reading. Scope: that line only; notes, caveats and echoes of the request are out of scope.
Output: 1:27
